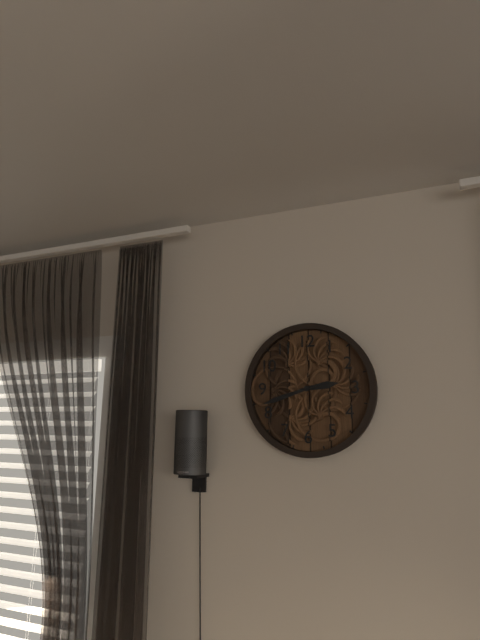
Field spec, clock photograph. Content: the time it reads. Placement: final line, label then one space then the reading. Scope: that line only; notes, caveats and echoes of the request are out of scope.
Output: 2:42
